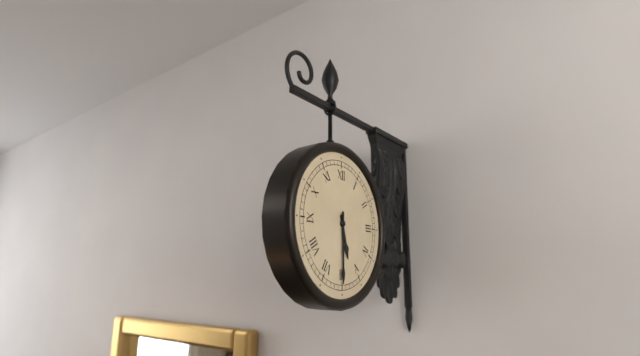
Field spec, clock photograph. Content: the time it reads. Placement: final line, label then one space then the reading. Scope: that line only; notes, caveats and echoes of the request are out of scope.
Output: 5:30
